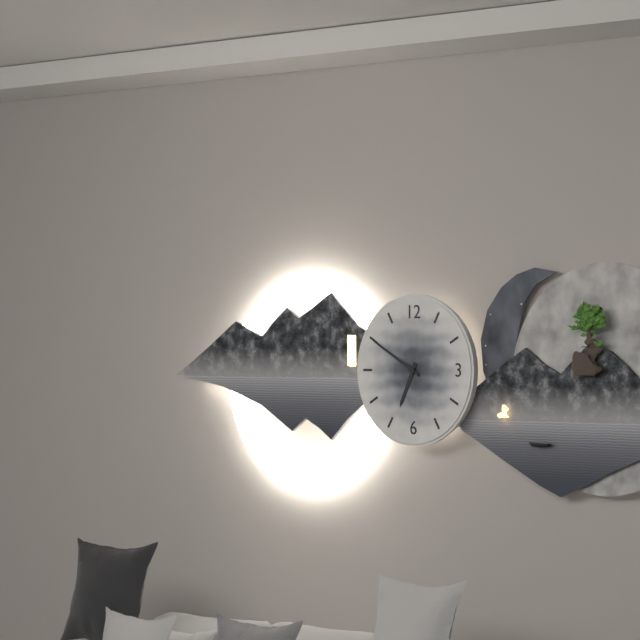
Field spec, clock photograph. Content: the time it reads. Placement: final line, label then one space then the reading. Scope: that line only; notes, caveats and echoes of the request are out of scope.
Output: 6:50
